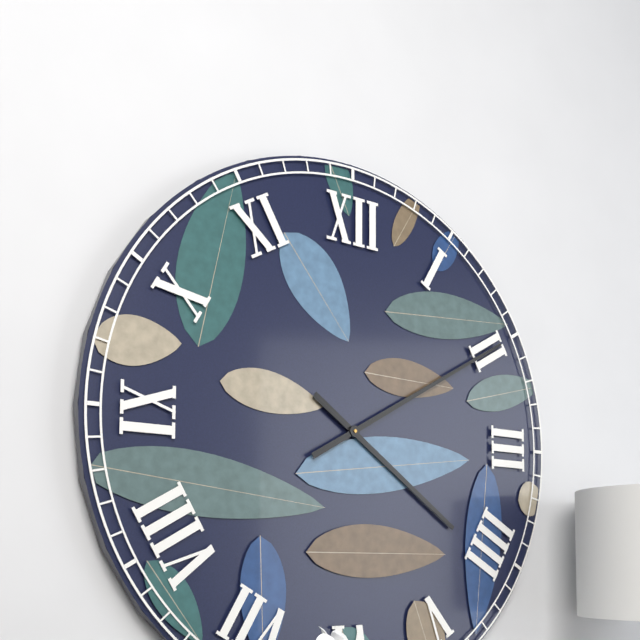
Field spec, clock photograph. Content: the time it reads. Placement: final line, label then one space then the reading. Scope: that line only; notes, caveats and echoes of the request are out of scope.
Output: 4:10
